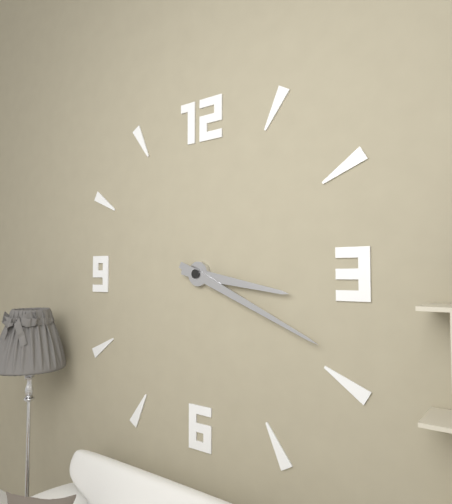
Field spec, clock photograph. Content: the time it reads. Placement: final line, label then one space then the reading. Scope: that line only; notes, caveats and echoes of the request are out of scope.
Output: 3:19
